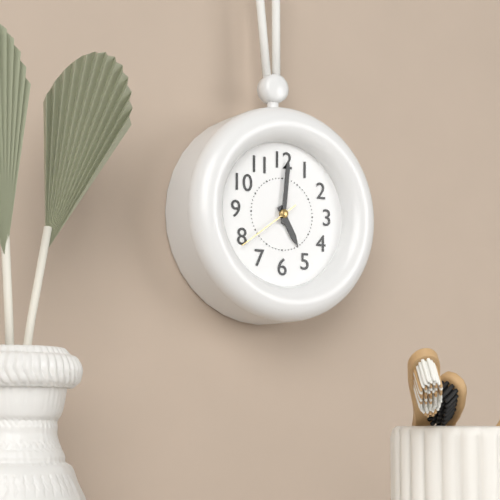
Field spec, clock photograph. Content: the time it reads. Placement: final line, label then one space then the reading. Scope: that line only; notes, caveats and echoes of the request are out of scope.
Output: 5:01:39
